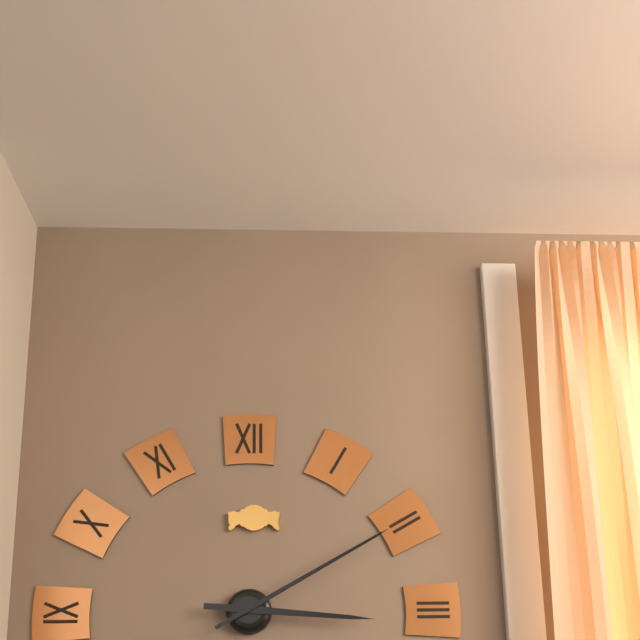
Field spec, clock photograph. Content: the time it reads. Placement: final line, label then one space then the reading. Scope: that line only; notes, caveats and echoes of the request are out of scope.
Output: 3:10
